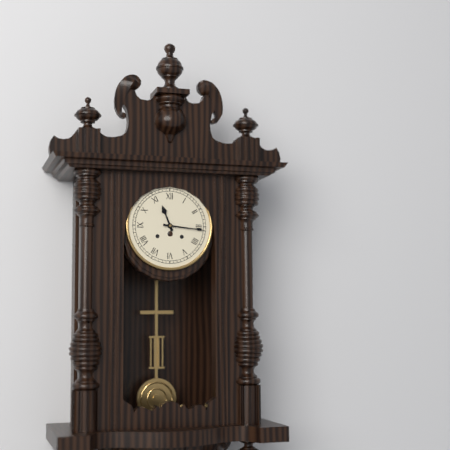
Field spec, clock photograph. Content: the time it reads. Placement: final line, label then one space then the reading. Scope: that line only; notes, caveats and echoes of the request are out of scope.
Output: 11:16
